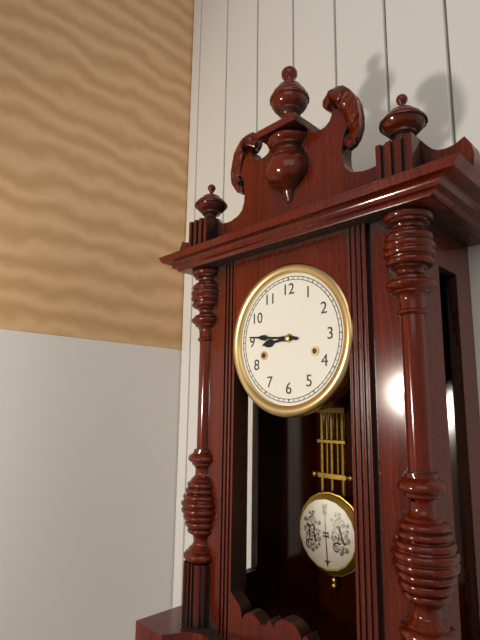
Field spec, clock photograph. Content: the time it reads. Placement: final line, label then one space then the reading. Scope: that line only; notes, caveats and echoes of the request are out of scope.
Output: 8:46
